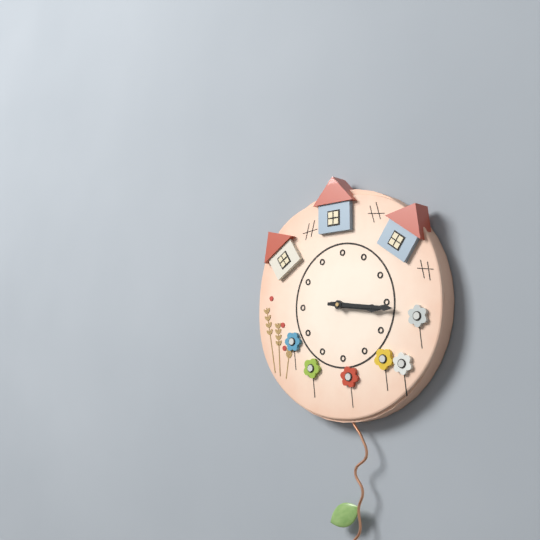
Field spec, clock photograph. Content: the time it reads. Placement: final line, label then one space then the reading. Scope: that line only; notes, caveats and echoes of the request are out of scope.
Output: 3:16
